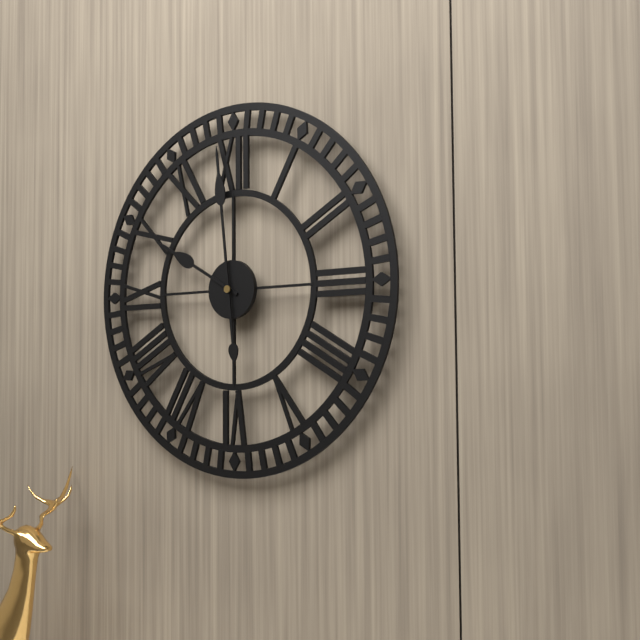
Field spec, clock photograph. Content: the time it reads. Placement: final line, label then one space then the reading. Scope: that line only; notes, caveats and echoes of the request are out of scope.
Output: 9:59
